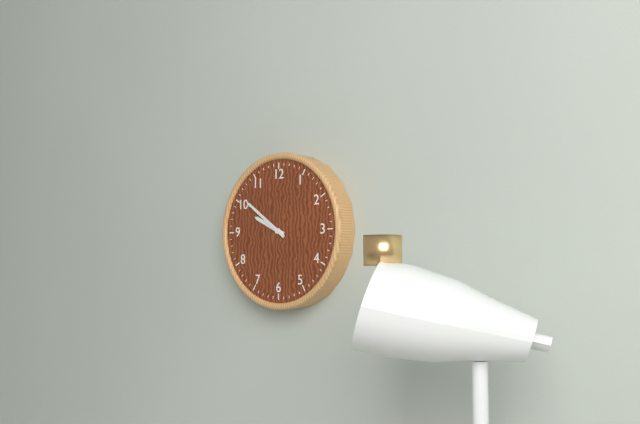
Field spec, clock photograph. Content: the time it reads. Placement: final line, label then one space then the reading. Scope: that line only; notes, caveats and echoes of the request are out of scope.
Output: 9:51
